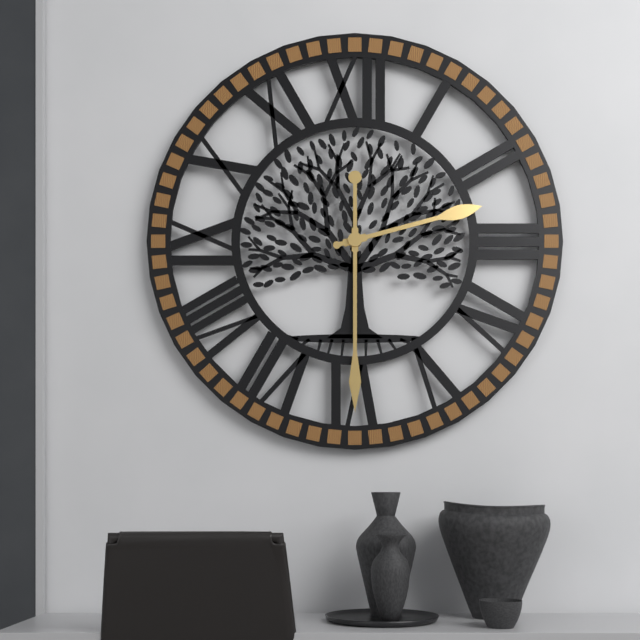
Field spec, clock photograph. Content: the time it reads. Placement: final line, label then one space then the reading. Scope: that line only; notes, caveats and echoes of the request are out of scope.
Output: 2:30
